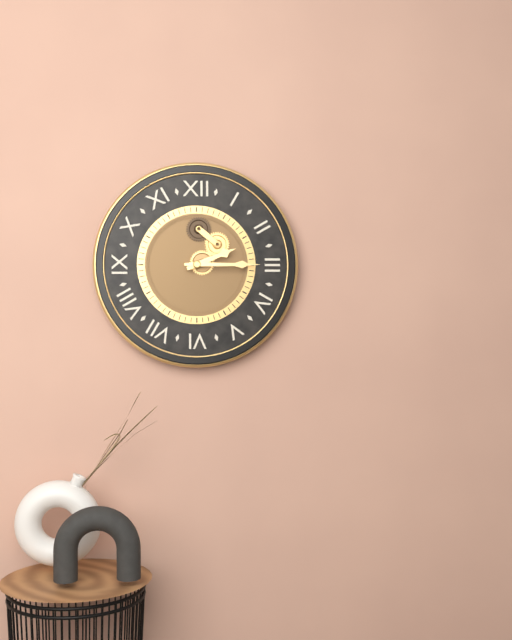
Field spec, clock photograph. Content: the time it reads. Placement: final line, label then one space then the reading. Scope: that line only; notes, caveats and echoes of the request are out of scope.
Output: 2:15
